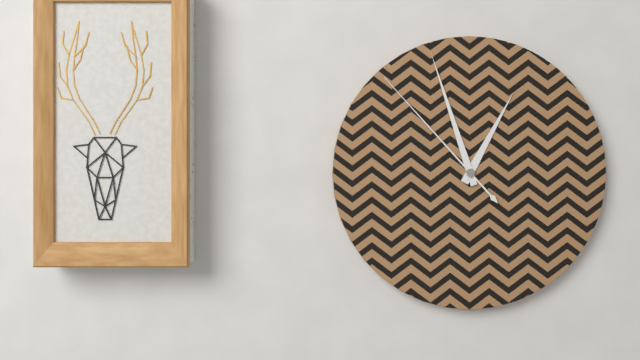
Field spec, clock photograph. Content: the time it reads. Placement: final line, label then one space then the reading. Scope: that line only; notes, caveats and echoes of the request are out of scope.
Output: 12:57:53
